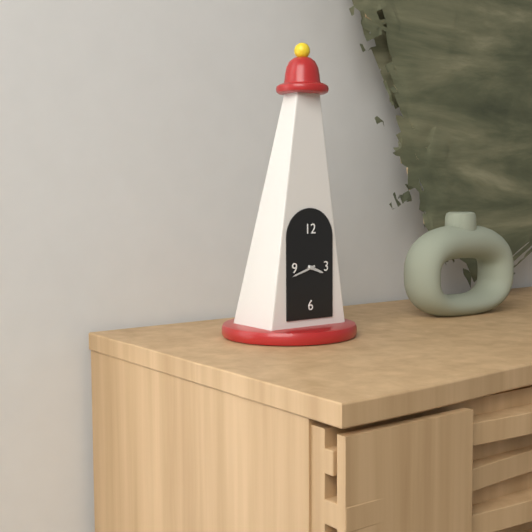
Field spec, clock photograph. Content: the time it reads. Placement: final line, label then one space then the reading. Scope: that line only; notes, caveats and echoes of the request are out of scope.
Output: 3:42
